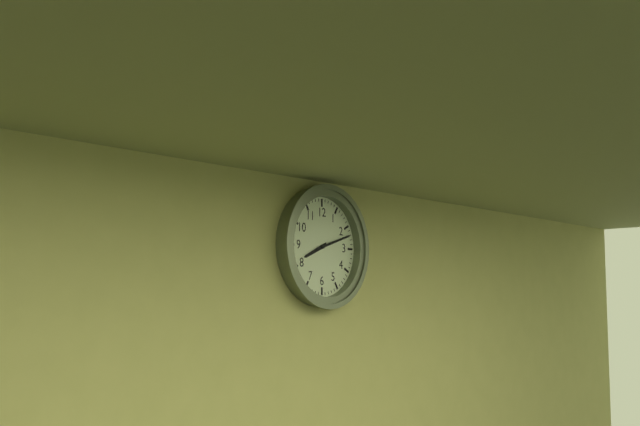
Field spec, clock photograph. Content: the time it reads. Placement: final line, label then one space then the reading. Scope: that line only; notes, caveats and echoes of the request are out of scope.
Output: 8:12
